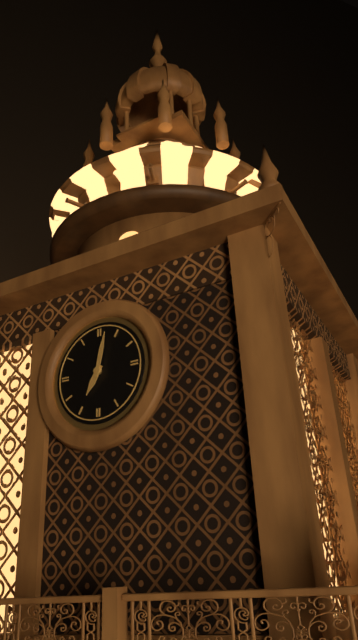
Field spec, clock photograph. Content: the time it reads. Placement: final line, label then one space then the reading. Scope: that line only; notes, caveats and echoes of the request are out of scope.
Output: 7:02
